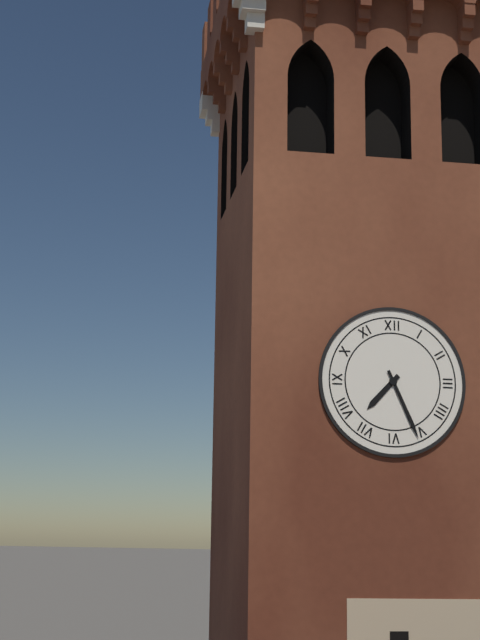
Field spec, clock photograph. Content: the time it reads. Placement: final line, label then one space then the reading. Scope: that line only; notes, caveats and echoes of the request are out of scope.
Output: 7:26
